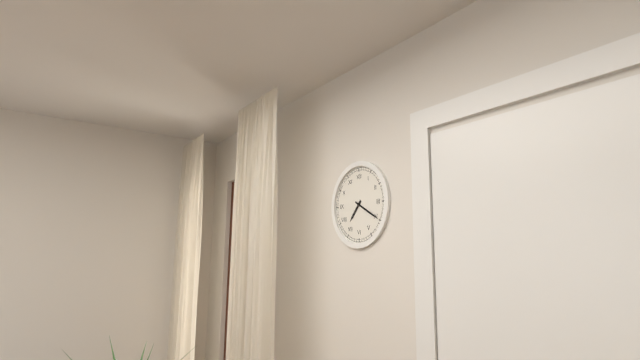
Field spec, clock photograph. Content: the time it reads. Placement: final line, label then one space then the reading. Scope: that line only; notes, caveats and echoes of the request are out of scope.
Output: 7:20
